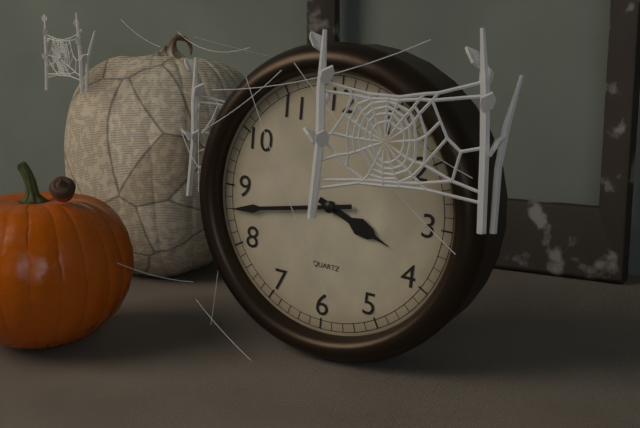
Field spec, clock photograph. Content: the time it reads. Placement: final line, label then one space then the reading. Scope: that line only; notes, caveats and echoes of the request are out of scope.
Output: 3:43
